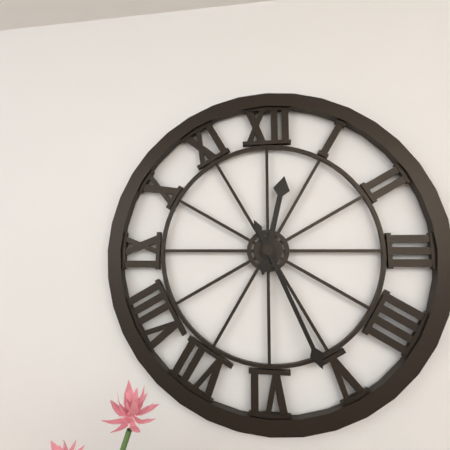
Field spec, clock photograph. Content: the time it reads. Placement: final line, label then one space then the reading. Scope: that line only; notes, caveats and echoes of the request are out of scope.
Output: 12:26
